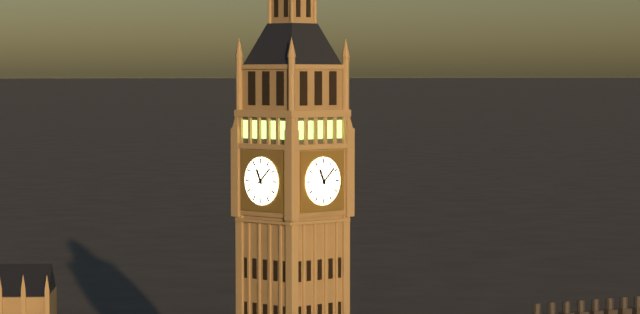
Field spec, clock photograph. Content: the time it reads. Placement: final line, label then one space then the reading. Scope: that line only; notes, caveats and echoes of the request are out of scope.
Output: 11:08
